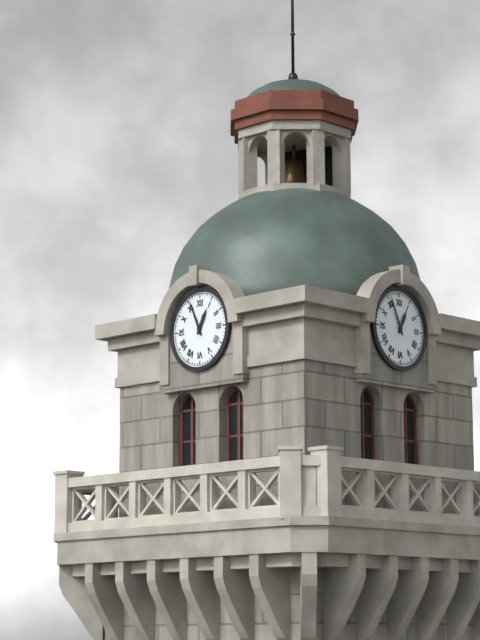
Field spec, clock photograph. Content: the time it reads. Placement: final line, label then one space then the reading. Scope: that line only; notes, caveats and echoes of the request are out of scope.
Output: 12:56
